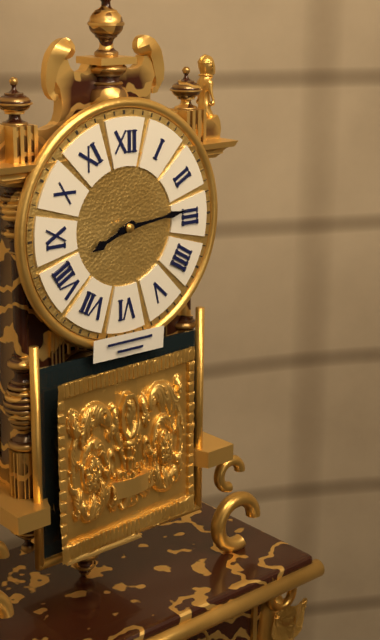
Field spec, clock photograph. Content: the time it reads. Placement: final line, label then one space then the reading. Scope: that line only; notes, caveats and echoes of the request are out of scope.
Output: 8:14
